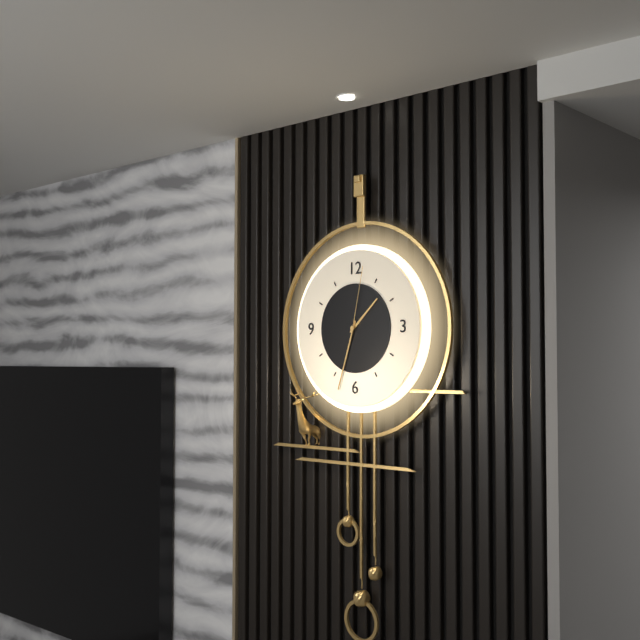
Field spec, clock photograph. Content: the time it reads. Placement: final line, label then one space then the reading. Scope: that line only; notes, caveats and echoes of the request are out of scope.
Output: 1:33:02
